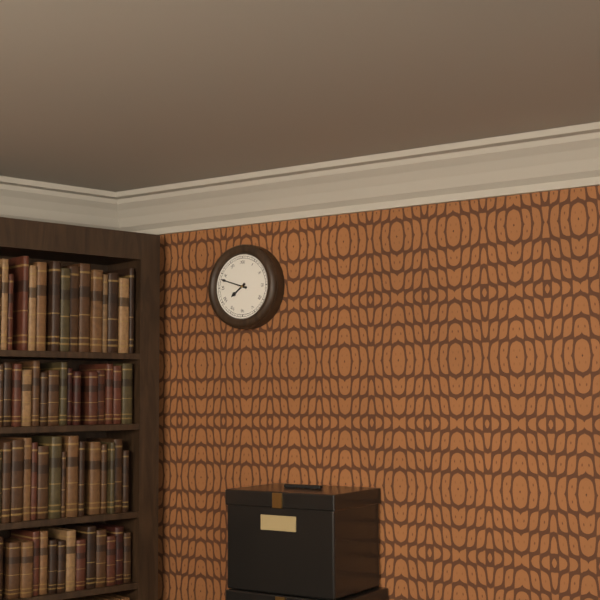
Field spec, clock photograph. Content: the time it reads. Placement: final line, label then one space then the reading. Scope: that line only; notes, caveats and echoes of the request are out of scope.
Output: 7:48
